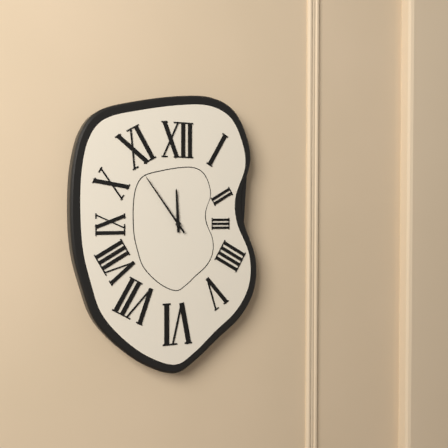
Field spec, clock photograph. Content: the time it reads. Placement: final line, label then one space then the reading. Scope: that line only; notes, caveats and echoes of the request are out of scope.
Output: 11:54
